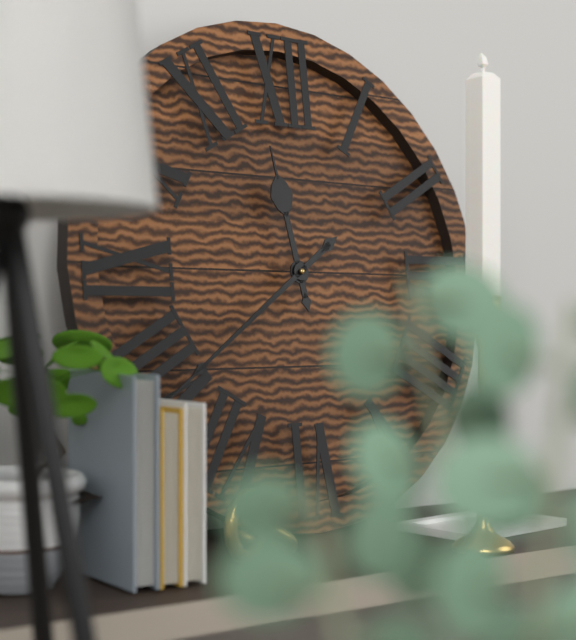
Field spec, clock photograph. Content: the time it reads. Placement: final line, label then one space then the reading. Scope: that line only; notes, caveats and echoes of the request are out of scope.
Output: 11:39
